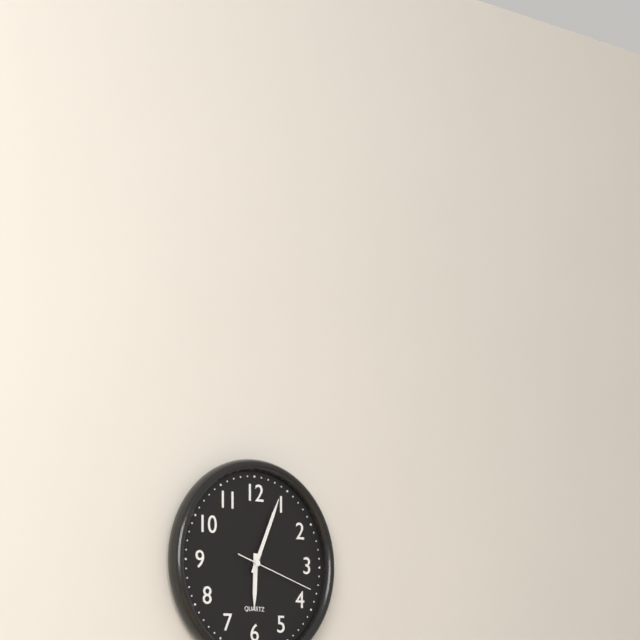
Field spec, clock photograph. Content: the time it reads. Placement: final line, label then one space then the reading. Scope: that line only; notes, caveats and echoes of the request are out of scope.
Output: 6:04:18
